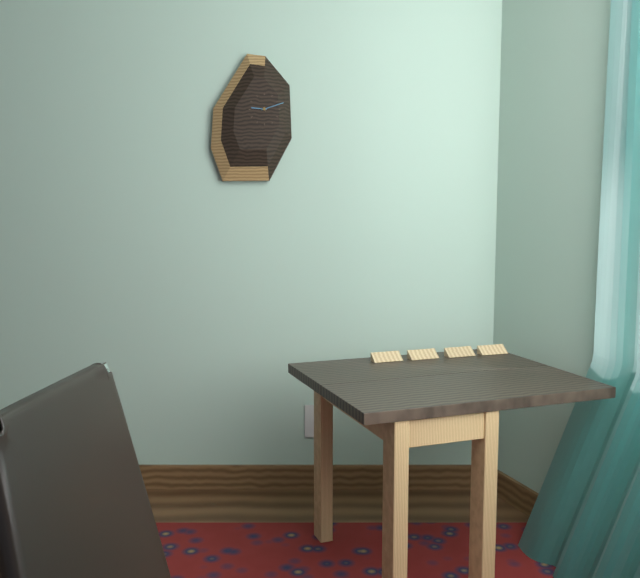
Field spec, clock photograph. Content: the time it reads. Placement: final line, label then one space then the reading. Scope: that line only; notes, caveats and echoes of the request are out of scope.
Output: 9:12
